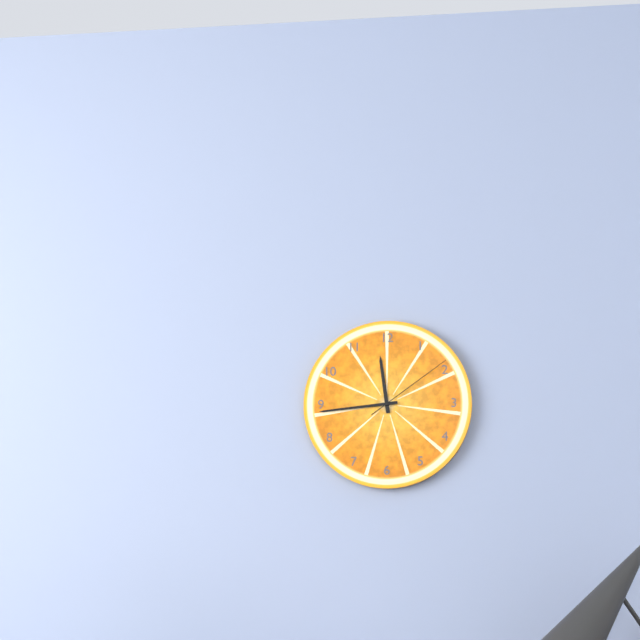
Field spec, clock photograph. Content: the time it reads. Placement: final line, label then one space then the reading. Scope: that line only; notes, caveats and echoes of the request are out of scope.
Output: 11:44:09
